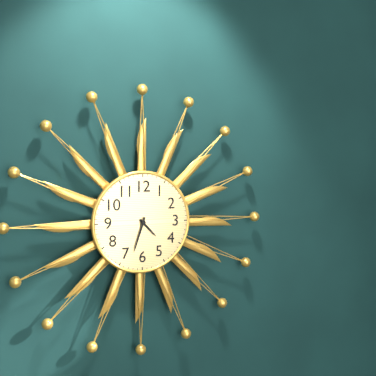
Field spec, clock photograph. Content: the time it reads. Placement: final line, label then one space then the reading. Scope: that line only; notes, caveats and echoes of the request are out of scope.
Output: 4:33
